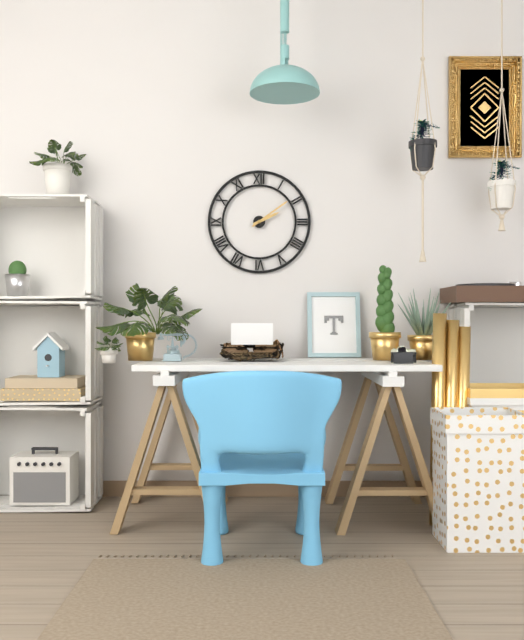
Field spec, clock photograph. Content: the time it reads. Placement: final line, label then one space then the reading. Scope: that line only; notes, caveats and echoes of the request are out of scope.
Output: 2:09
